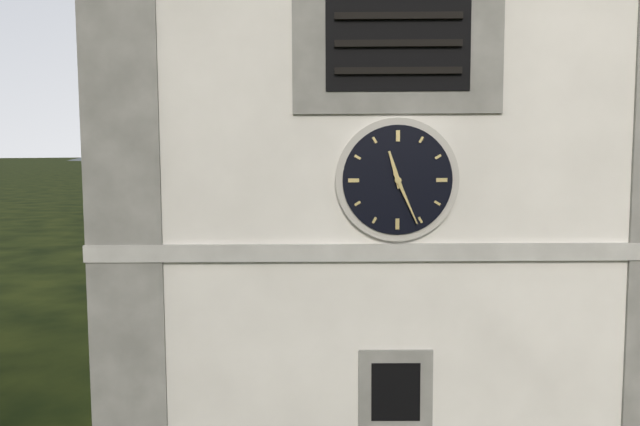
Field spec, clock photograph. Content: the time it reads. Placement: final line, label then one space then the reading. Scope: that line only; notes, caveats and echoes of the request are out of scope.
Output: 11:26
